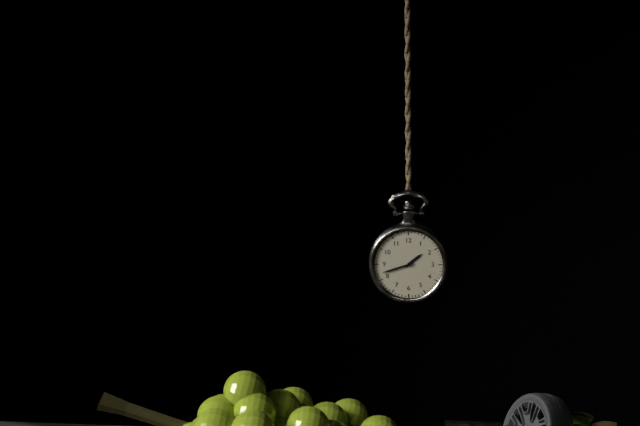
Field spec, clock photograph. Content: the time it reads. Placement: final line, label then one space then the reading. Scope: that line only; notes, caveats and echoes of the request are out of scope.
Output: 1:42
